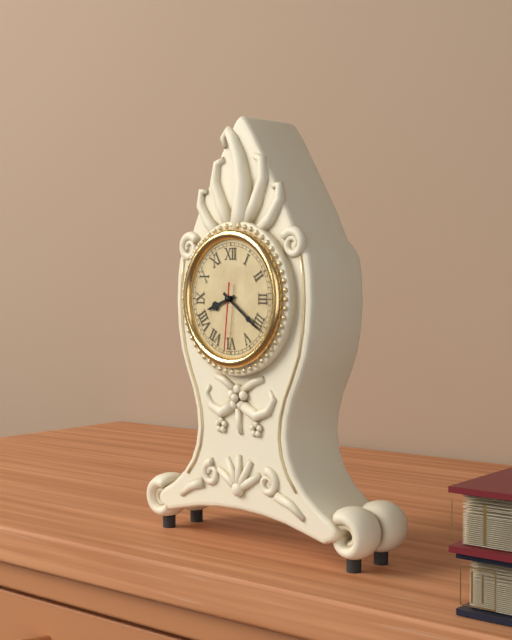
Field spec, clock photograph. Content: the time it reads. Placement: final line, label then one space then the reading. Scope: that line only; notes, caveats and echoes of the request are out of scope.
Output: 8:21:31
